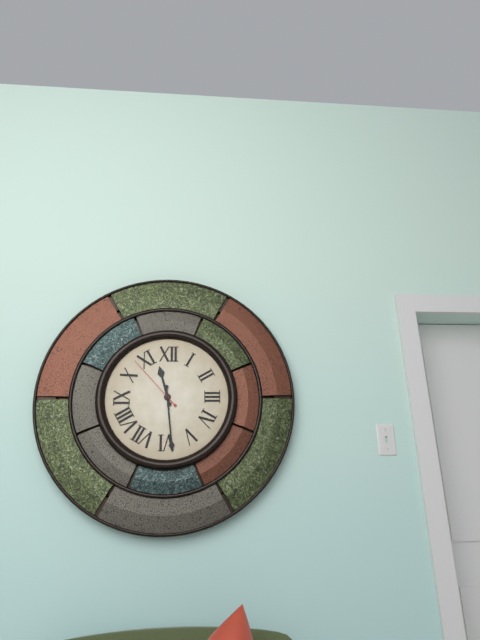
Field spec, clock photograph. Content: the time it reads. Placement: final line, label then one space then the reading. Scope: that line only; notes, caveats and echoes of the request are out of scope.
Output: 11:29:53
